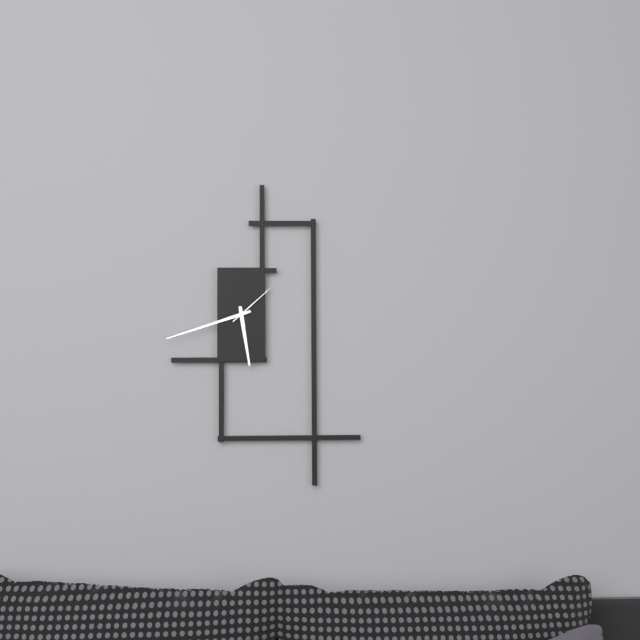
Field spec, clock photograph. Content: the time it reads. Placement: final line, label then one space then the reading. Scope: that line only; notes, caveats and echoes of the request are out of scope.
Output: 5:42:08
